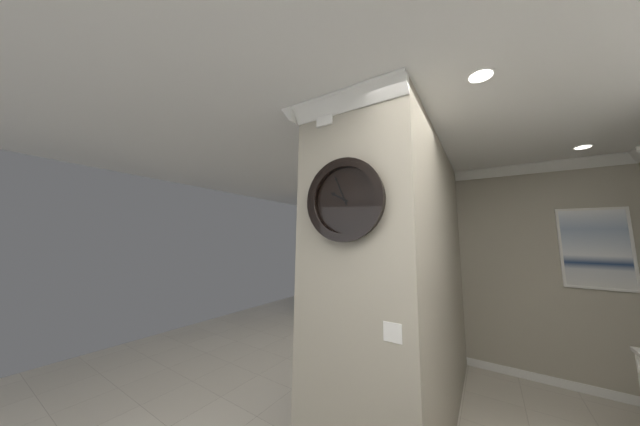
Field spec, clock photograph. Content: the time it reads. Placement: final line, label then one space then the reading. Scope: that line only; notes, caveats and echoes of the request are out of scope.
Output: 9:56
